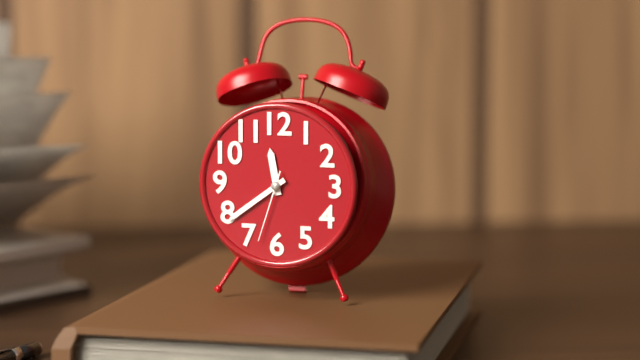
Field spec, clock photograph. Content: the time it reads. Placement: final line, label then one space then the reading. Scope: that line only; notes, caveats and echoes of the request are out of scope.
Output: 11:39:33
